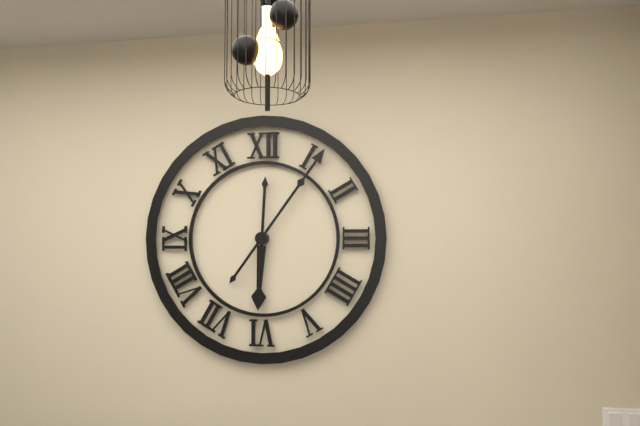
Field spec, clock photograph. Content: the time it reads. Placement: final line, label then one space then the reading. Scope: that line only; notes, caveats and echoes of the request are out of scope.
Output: 6:06
